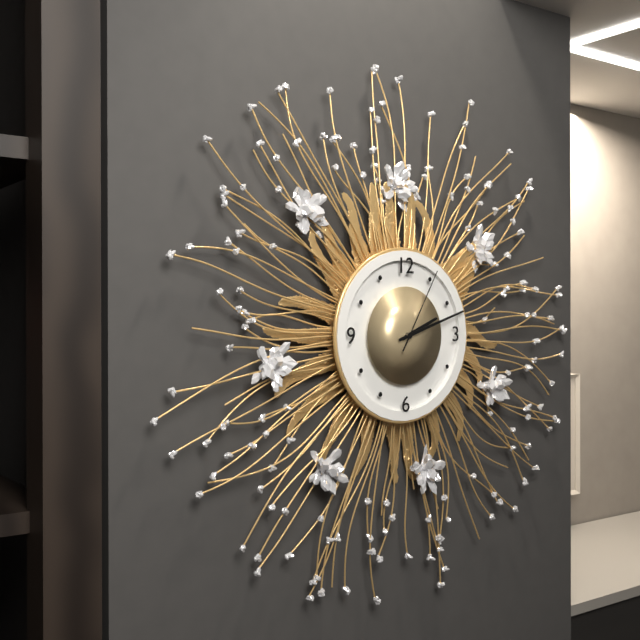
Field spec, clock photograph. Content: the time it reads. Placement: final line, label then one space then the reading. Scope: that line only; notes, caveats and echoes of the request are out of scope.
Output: 2:12:05
